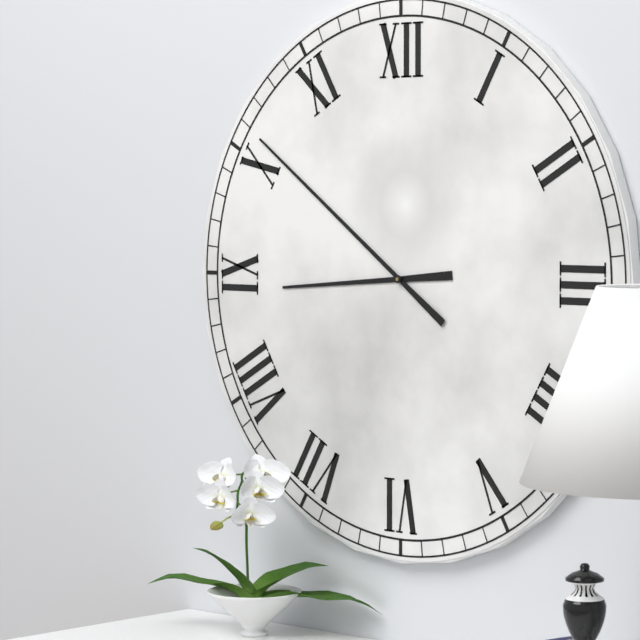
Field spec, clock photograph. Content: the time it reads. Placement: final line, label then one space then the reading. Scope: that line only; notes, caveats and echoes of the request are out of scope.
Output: 8:51
